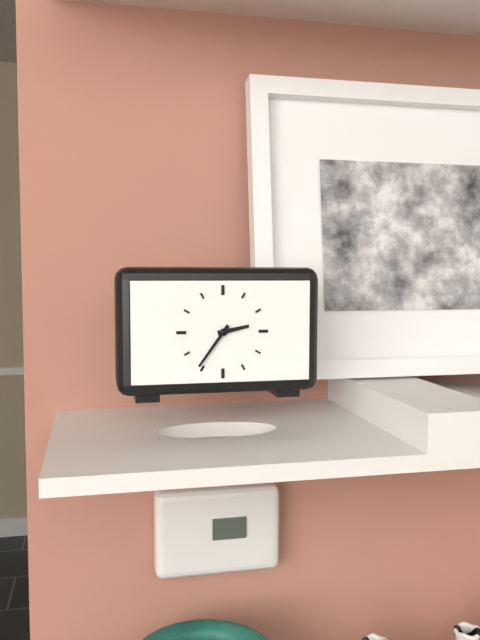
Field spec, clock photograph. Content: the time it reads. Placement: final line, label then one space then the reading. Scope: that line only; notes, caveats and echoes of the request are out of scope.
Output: 2:36
